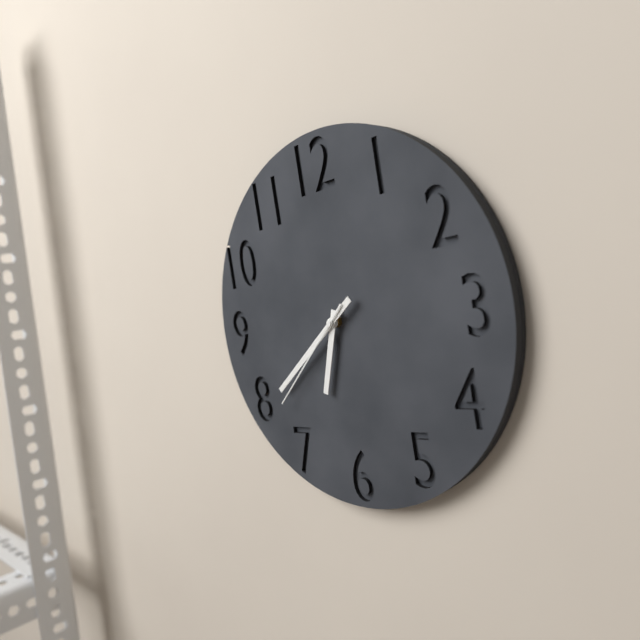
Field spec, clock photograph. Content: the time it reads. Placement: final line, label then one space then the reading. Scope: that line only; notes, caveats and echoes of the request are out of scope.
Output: 6:39:38
